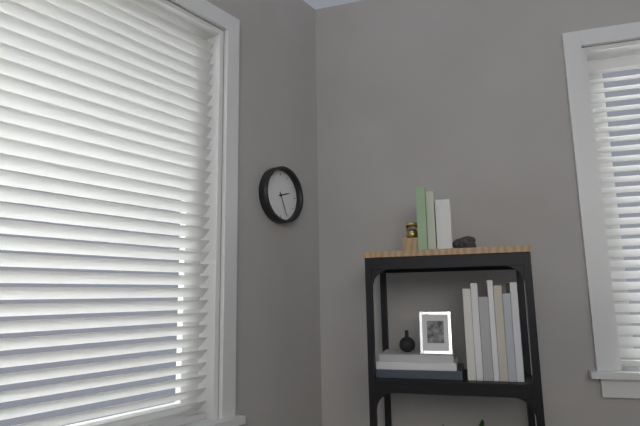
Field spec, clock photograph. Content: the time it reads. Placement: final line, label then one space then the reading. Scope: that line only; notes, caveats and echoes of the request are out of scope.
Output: 2:26
